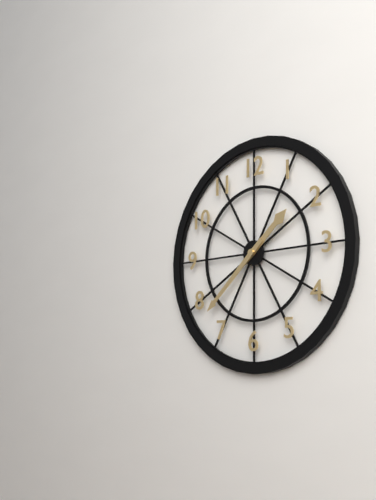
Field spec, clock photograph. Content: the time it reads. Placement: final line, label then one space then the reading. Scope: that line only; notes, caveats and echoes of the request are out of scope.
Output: 1:38
